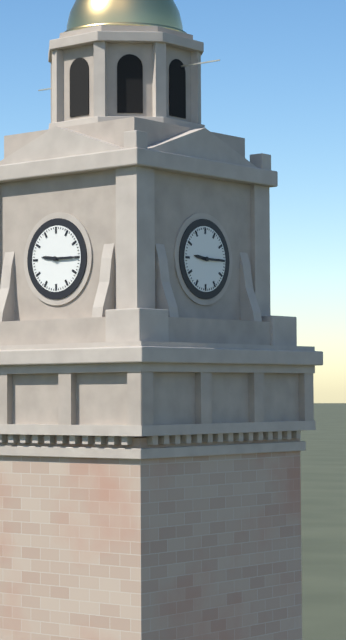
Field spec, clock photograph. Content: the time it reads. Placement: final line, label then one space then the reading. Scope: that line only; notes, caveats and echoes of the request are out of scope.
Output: 9:15
